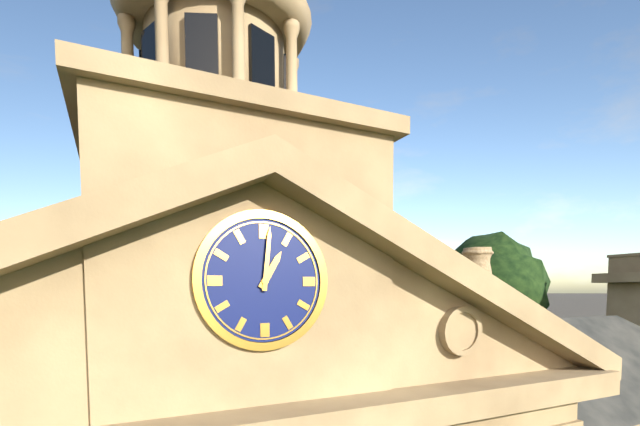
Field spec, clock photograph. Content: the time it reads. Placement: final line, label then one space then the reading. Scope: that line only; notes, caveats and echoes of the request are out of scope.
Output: 1:01
